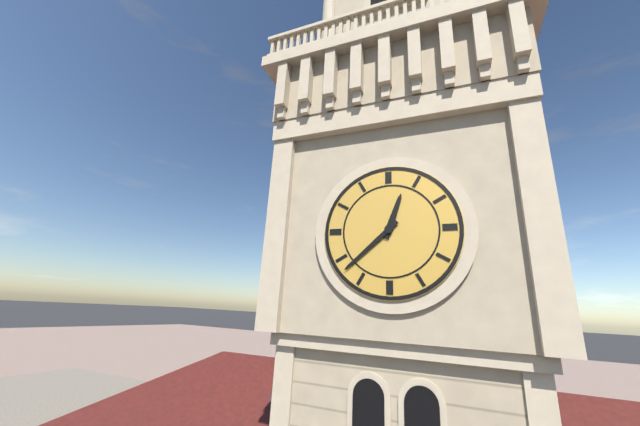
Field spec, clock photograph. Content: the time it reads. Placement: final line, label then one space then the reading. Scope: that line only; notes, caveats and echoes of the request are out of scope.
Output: 12:38
